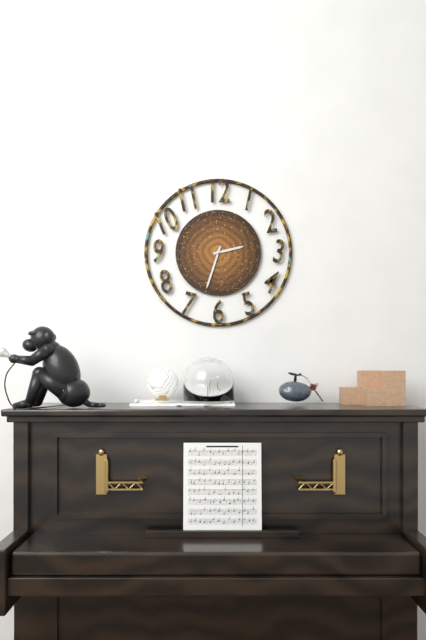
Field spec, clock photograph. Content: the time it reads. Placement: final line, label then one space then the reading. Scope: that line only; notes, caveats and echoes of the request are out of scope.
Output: 2:33
